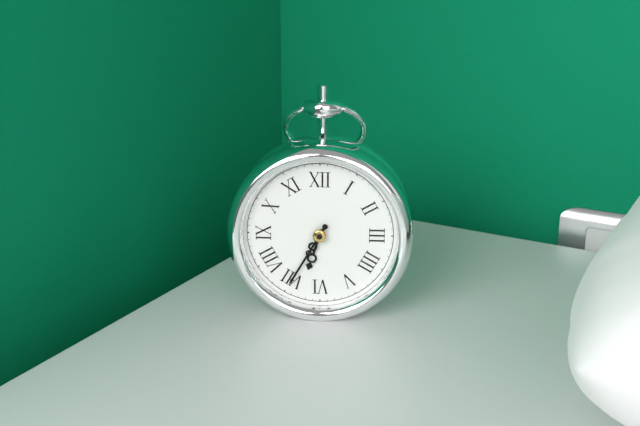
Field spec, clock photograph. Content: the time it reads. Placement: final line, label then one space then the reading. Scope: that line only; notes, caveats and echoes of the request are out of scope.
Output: 6:35
